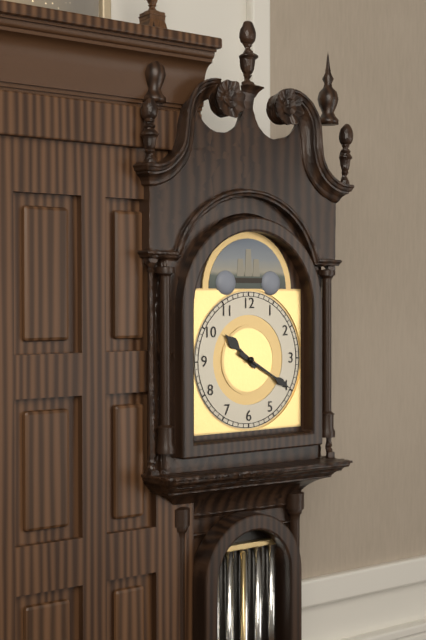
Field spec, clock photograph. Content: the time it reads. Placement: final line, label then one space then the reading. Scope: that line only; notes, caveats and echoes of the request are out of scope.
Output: 10:20
